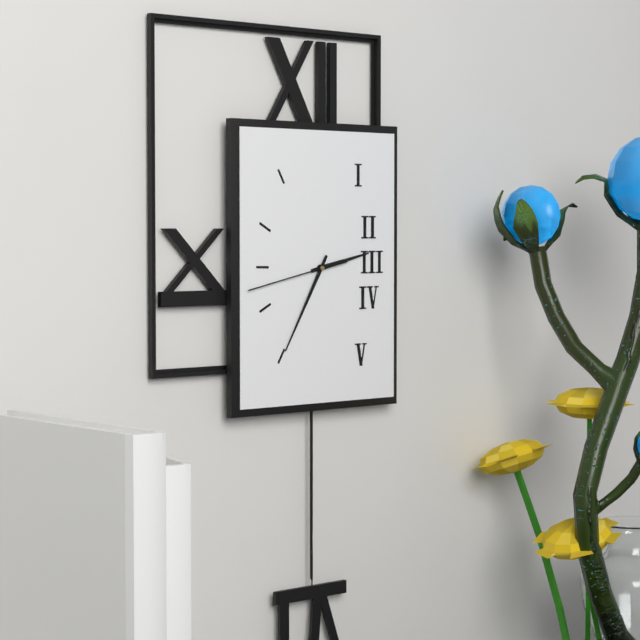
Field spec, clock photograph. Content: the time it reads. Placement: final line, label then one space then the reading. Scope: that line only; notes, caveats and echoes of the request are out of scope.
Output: 2:35:43
